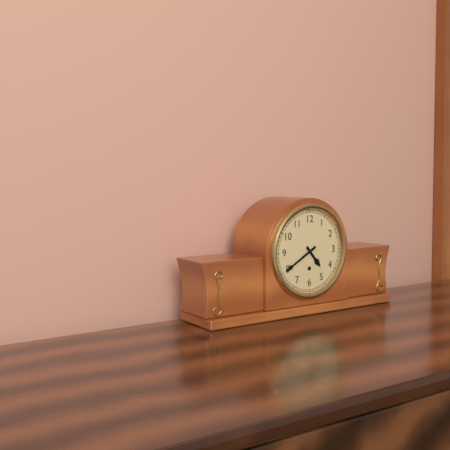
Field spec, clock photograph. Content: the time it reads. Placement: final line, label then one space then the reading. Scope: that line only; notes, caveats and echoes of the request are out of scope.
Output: 4:40
